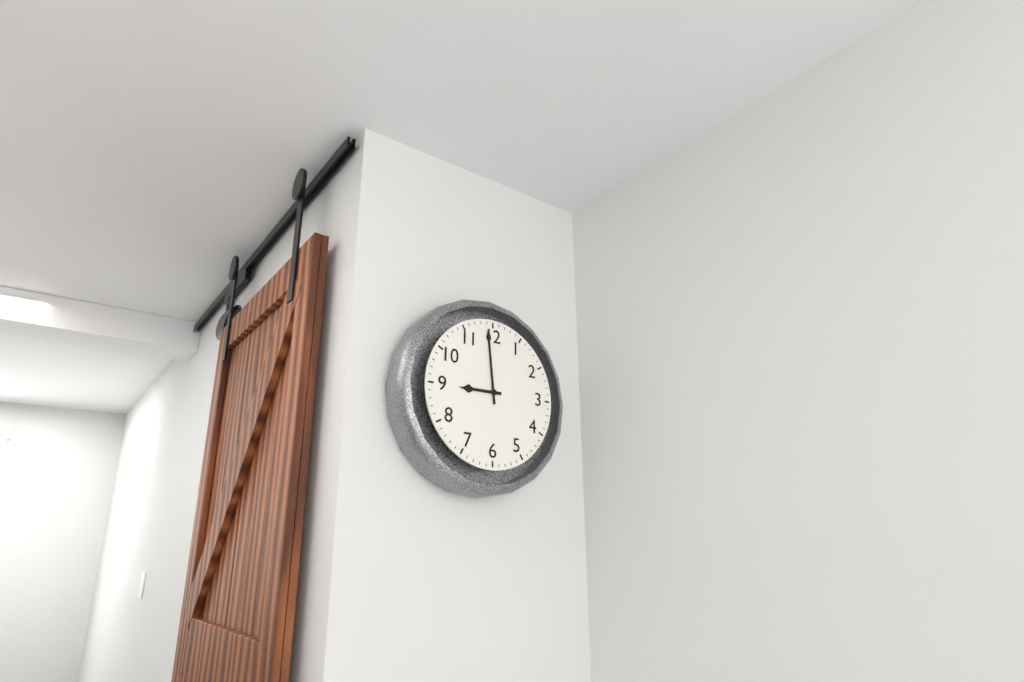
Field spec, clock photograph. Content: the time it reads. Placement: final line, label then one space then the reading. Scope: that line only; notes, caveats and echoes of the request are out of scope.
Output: 8:59
